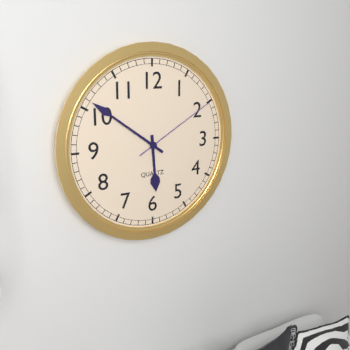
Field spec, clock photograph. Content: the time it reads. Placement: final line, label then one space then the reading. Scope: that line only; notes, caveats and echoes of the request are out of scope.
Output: 5:51:10
